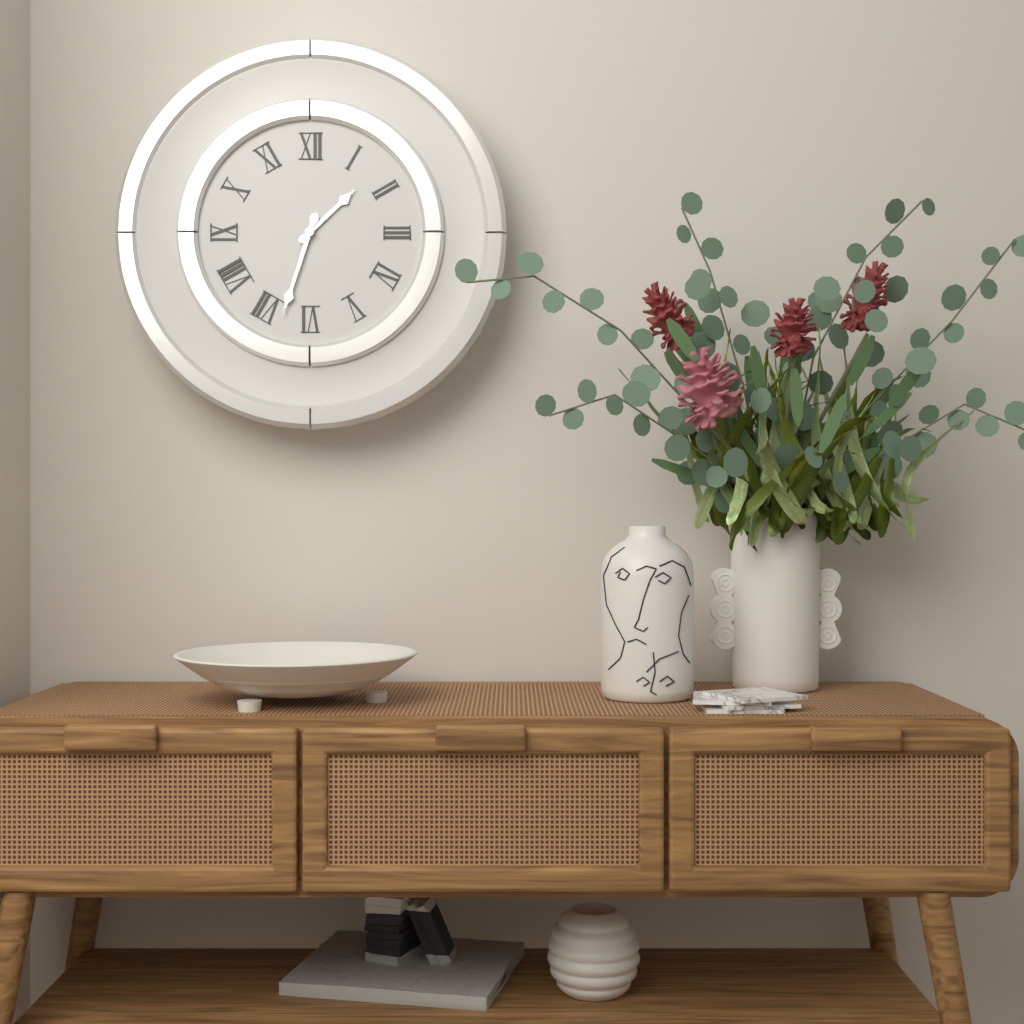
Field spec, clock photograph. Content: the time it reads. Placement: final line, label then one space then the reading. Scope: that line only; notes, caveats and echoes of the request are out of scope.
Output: 1:33
